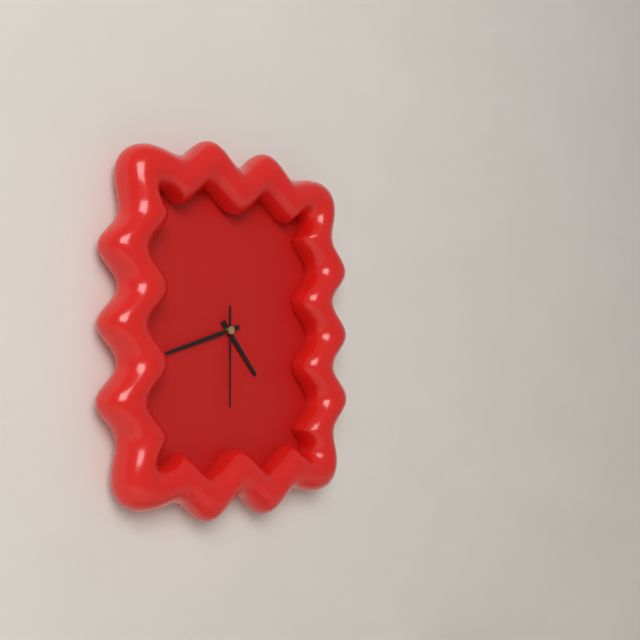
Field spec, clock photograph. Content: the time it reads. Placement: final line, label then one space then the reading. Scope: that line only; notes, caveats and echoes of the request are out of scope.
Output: 4:42:30
